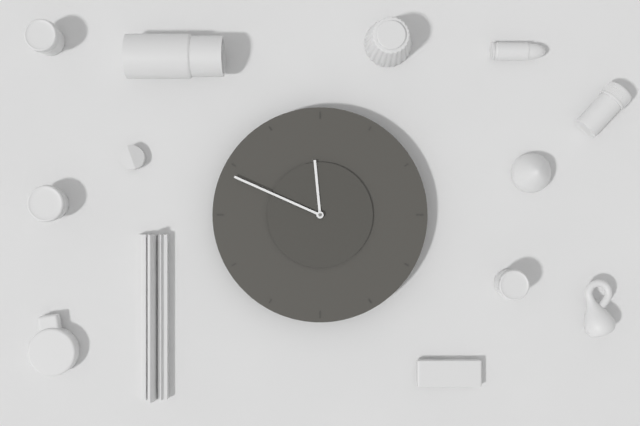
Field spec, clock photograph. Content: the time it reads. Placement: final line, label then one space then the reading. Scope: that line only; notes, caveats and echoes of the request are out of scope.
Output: 11:49
